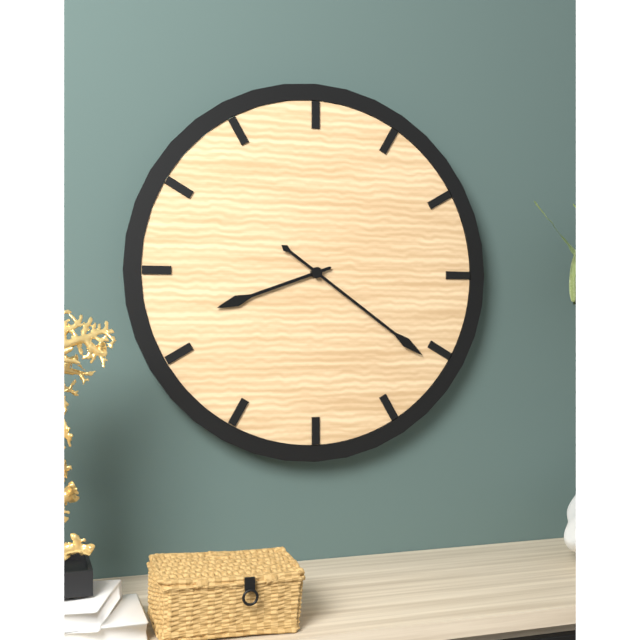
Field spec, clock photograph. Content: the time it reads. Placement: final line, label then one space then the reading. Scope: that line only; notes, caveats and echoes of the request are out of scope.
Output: 8:21
